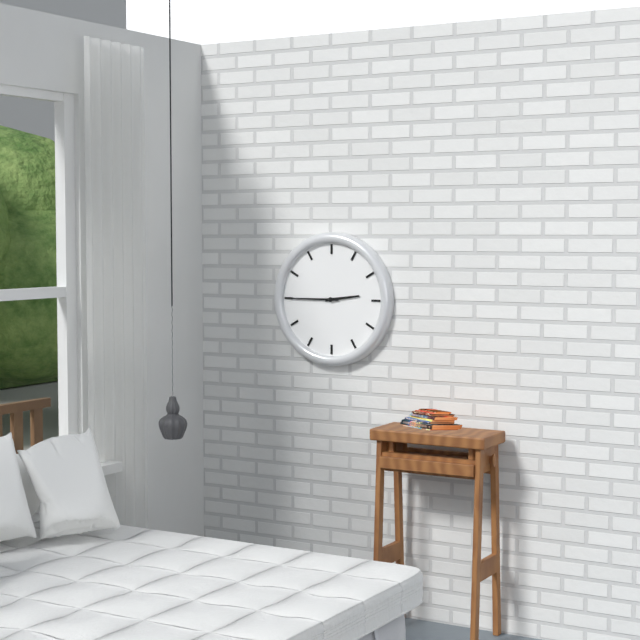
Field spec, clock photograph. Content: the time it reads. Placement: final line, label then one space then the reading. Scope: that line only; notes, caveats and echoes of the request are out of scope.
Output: 2:45
